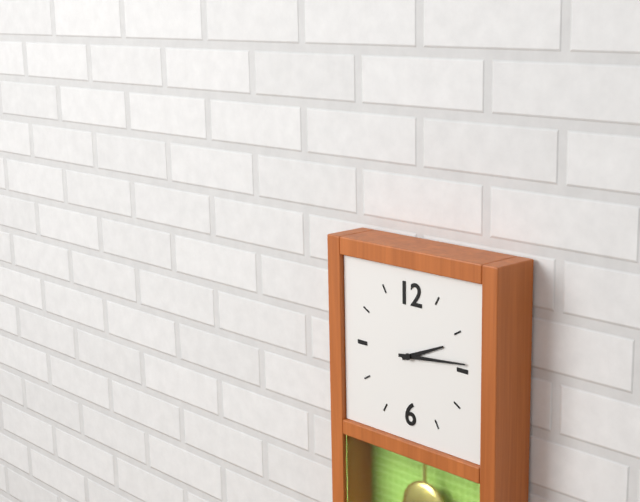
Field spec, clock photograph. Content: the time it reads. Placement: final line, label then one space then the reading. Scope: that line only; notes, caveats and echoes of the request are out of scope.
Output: 2:14
